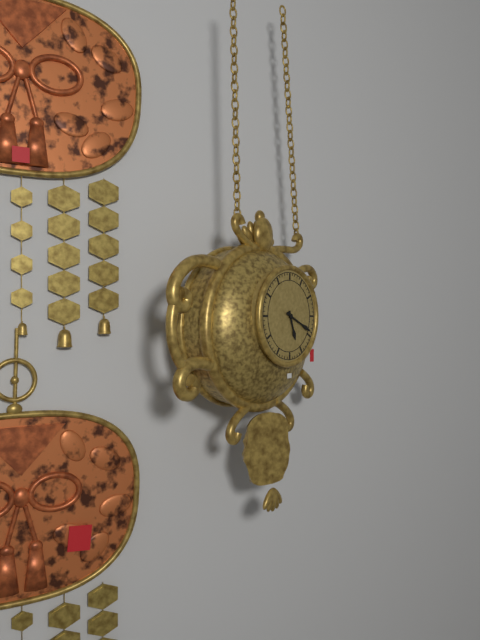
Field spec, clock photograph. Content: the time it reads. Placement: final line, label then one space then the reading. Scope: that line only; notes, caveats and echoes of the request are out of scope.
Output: 5:19
